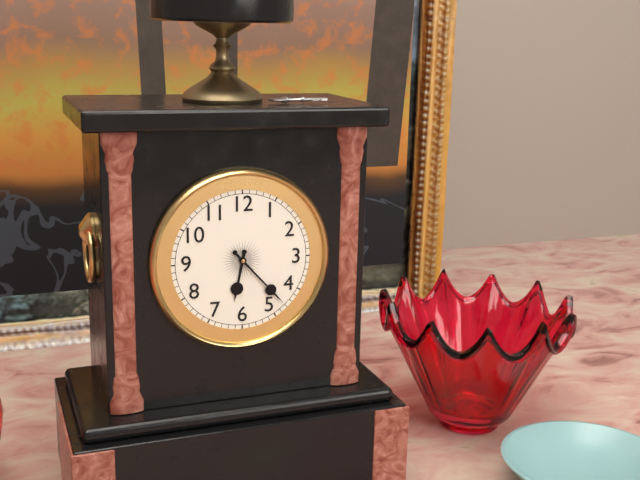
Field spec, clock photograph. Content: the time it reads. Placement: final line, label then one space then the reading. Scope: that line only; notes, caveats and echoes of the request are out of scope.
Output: 6:23
